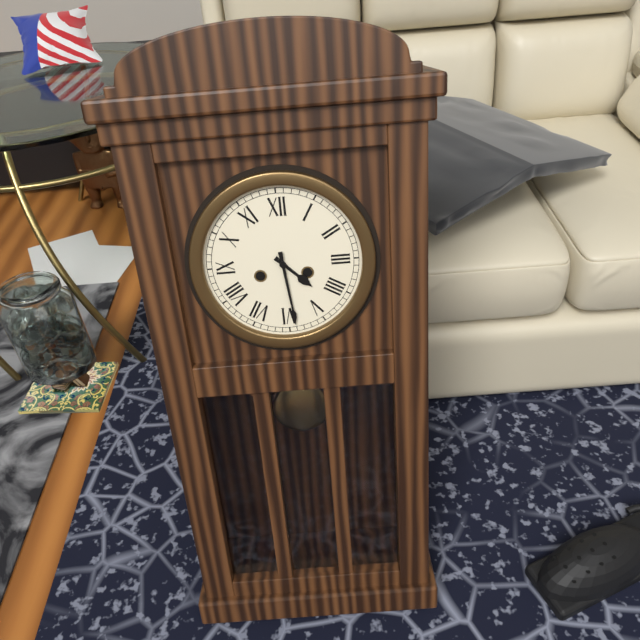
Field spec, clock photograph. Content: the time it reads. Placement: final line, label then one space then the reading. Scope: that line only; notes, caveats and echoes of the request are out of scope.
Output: 4:29
